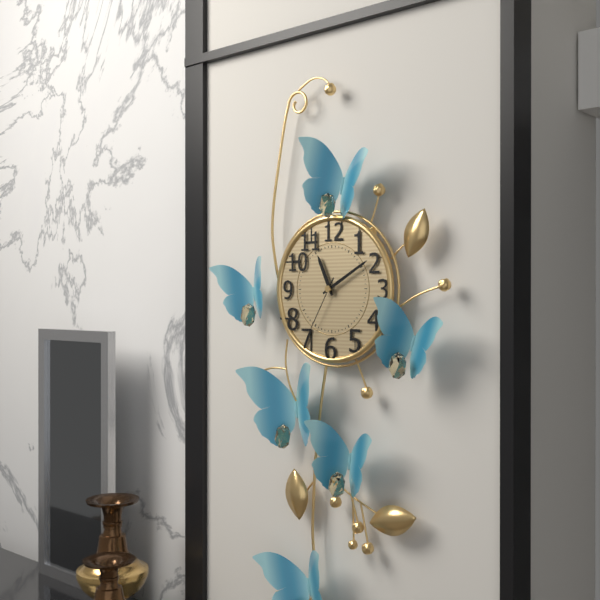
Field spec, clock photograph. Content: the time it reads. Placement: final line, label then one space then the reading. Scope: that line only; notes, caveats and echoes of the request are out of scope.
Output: 11:10:35
